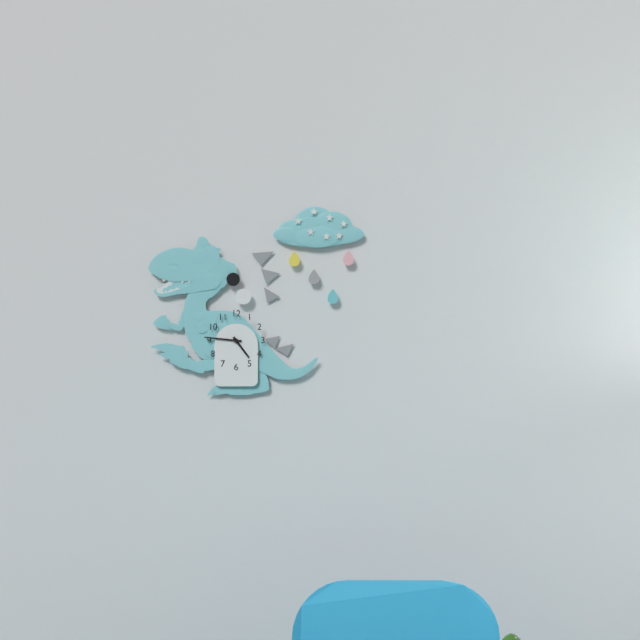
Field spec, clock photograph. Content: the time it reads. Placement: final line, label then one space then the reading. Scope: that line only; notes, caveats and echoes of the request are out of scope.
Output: 4:46
